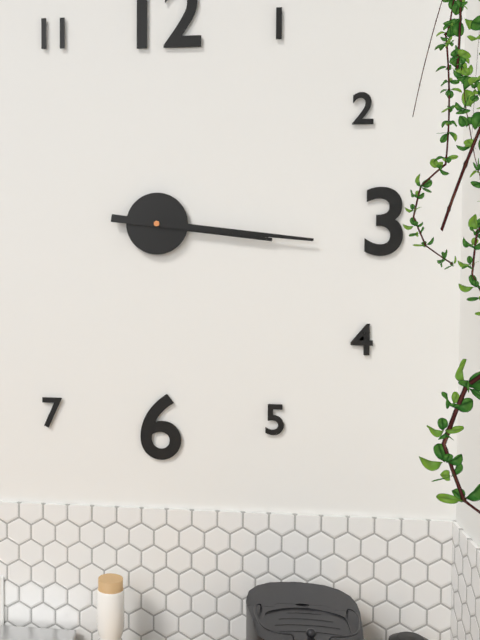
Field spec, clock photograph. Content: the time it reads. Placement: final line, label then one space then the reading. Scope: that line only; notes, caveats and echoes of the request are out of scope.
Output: 3:16
